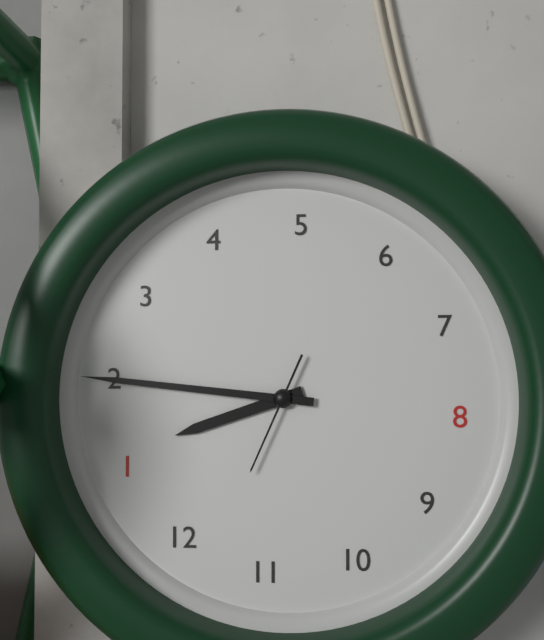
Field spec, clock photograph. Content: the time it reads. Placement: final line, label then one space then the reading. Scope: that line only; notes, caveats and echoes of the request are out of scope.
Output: 1:10:58
